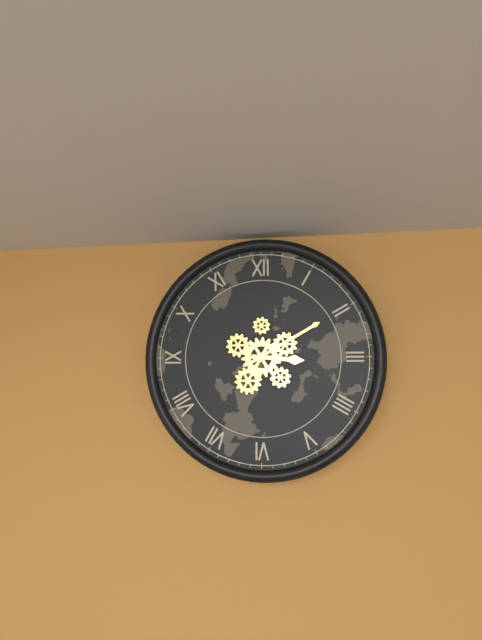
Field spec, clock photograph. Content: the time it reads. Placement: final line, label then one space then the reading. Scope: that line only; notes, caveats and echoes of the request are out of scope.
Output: 3:10
